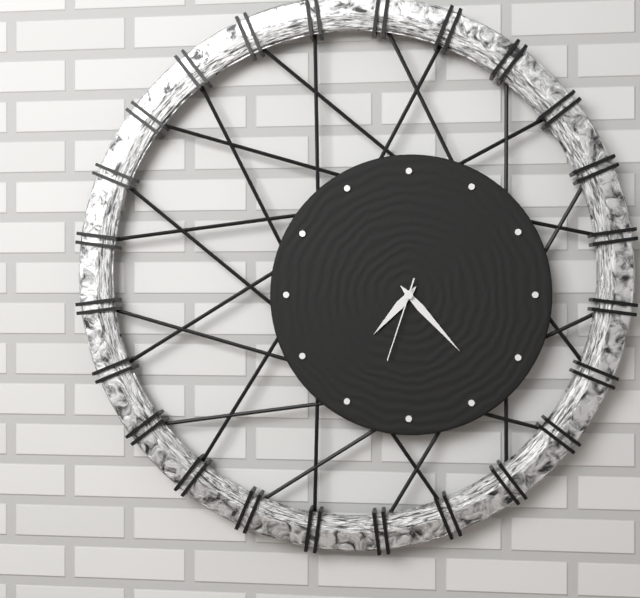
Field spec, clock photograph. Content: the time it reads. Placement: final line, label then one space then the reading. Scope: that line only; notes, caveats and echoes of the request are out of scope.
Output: 7:23:33
